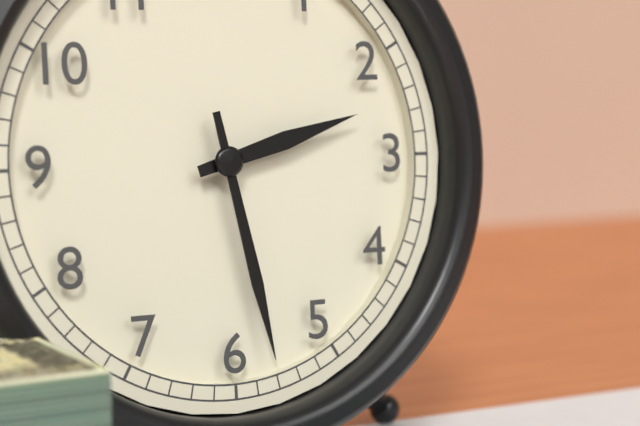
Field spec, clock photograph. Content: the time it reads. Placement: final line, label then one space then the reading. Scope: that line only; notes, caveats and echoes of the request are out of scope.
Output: 2:28
